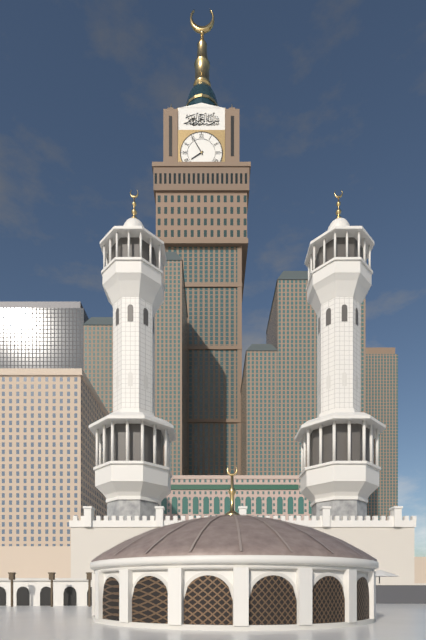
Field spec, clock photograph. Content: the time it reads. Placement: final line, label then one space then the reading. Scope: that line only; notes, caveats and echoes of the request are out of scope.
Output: 7:55
